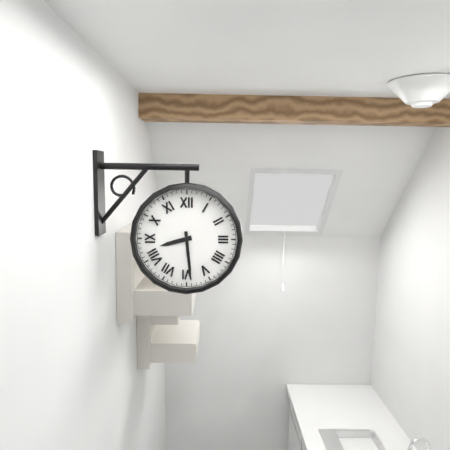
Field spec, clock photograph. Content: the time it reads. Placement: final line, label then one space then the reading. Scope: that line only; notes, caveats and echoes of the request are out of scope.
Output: 8:29
